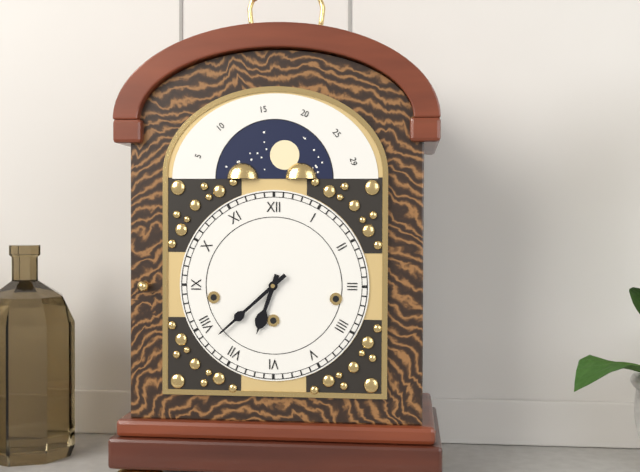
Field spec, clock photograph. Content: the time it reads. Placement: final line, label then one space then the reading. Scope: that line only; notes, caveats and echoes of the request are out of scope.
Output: 6:38
